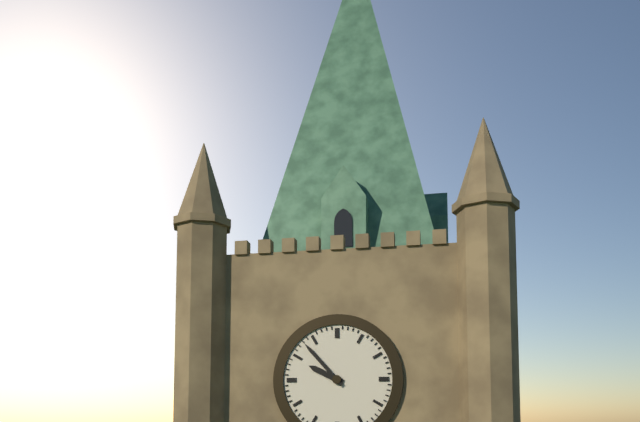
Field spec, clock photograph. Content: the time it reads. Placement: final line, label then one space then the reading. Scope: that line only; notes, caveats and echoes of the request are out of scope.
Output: 9:53
